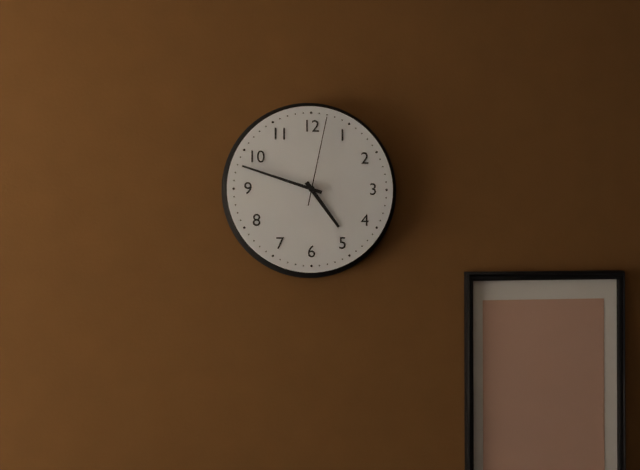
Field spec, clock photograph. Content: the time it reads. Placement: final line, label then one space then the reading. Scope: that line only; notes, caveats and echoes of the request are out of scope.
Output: 4:48:02
